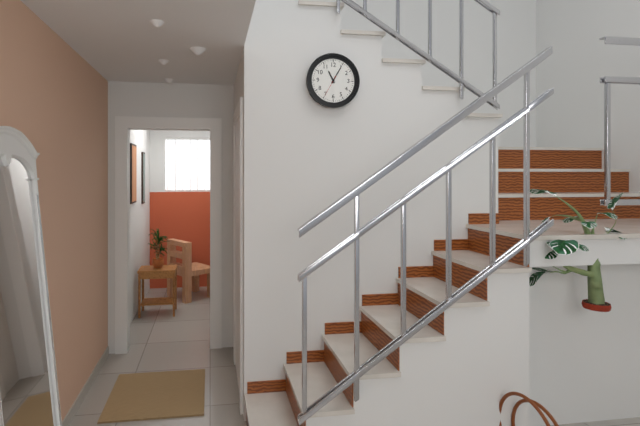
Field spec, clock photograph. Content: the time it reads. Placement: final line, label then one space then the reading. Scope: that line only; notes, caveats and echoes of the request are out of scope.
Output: 11:05
